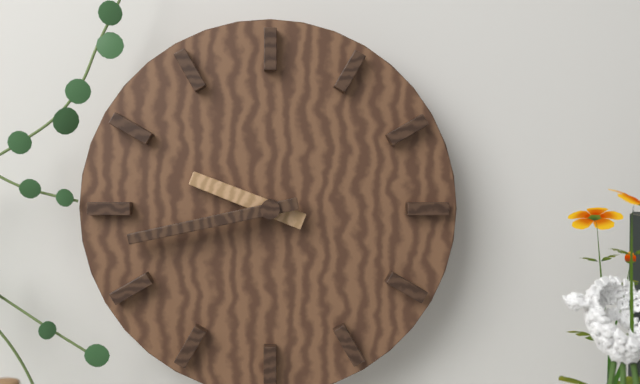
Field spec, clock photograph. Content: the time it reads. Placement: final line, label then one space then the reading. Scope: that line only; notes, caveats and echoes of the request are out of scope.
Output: 9:43
